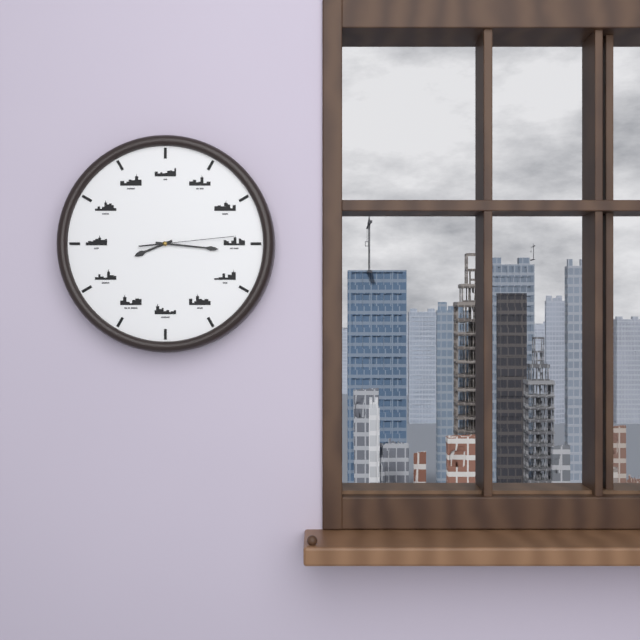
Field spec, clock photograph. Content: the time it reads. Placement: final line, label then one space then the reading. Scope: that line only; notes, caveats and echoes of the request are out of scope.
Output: 8:16:14
